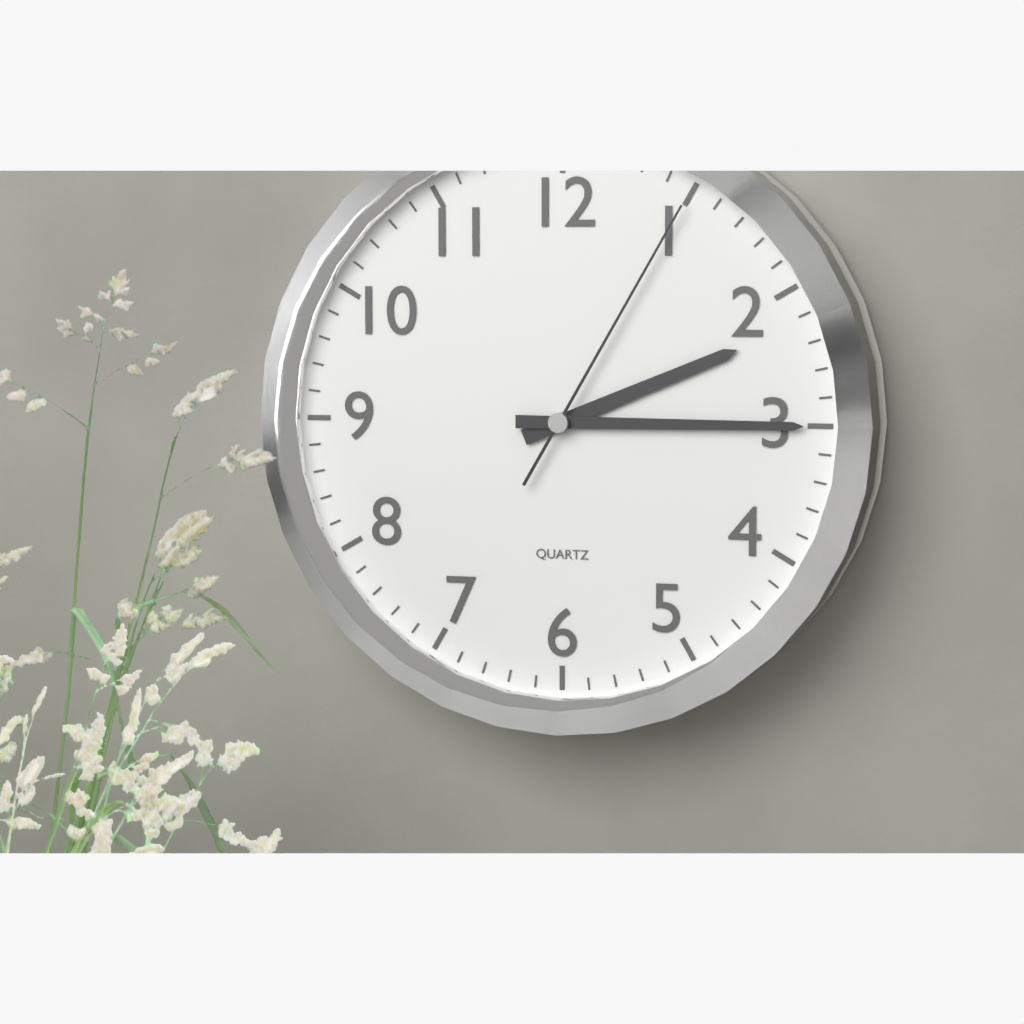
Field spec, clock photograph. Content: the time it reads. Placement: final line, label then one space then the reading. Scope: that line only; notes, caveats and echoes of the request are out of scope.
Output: 2:15:05
